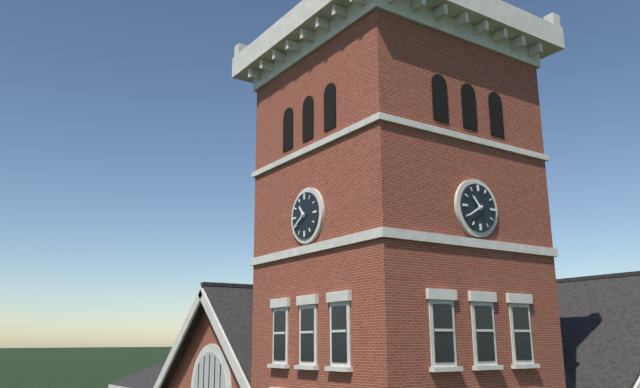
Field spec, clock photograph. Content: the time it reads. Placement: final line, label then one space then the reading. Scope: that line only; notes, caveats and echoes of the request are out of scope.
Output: 10:40
